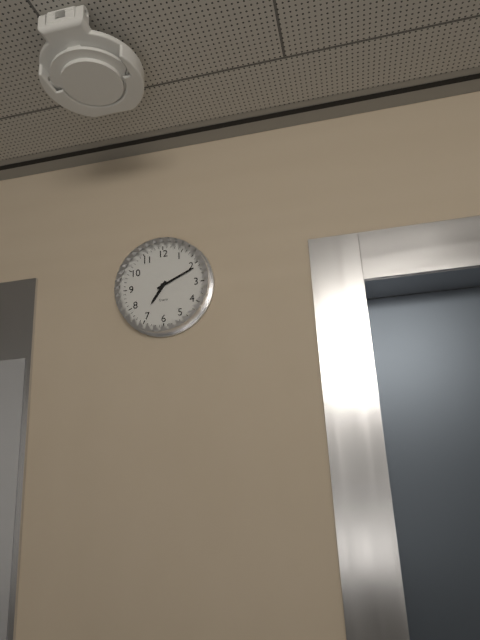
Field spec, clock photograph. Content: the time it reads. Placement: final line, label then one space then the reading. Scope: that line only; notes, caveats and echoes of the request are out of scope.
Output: 7:11
